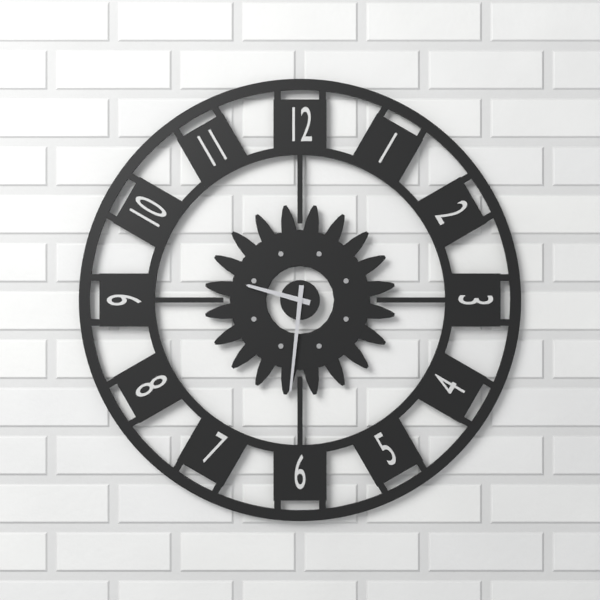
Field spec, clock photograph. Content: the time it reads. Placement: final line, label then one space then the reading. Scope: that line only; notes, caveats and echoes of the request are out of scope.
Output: 9:31
